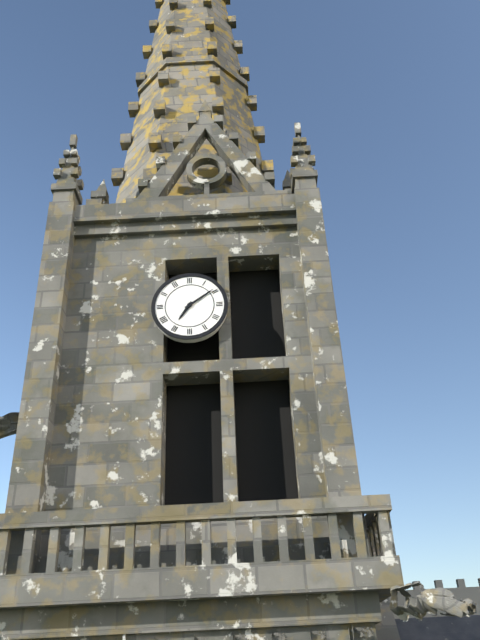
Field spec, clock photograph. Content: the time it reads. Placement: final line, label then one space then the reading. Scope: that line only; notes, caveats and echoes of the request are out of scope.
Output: 7:09
